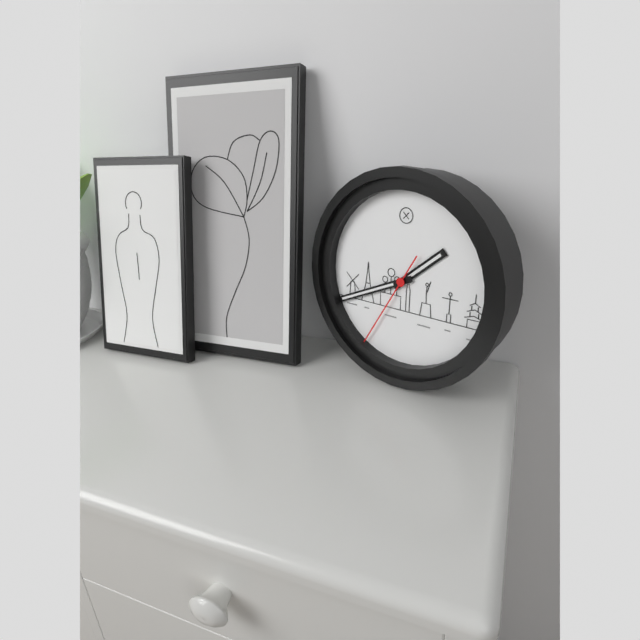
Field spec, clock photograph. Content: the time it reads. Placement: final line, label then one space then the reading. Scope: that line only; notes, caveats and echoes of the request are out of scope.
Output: 1:41:35
